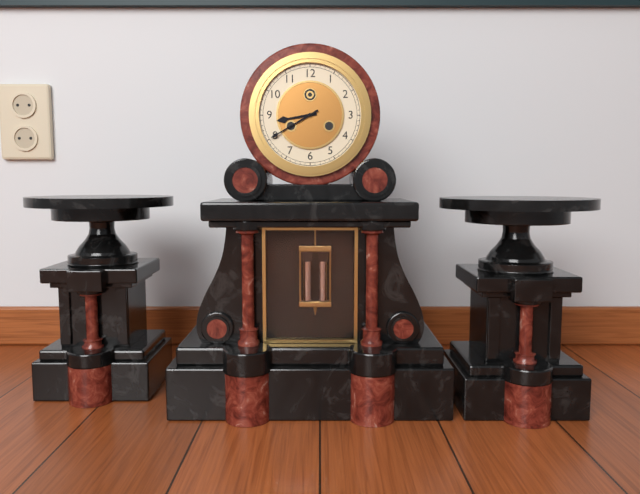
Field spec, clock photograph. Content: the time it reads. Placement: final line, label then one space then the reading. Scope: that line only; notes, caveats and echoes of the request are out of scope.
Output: 8:40
